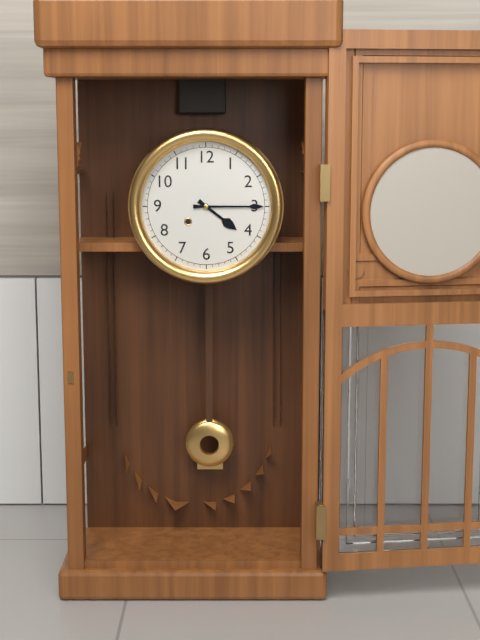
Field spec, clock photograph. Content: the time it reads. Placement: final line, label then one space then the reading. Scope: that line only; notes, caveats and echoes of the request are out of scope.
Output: 4:15
